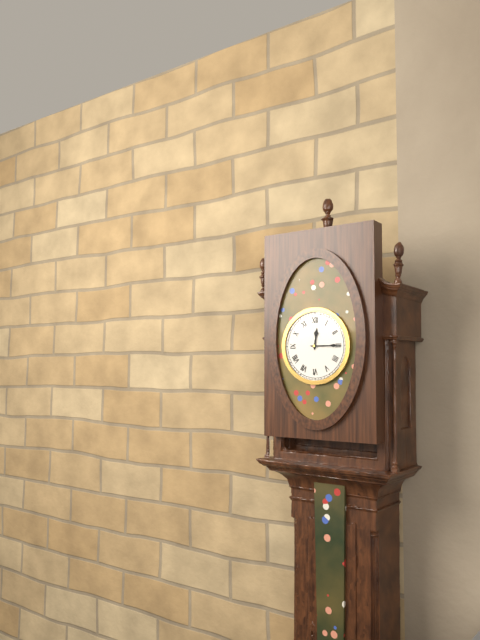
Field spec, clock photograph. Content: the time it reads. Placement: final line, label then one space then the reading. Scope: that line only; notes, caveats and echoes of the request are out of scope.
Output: 12:15
